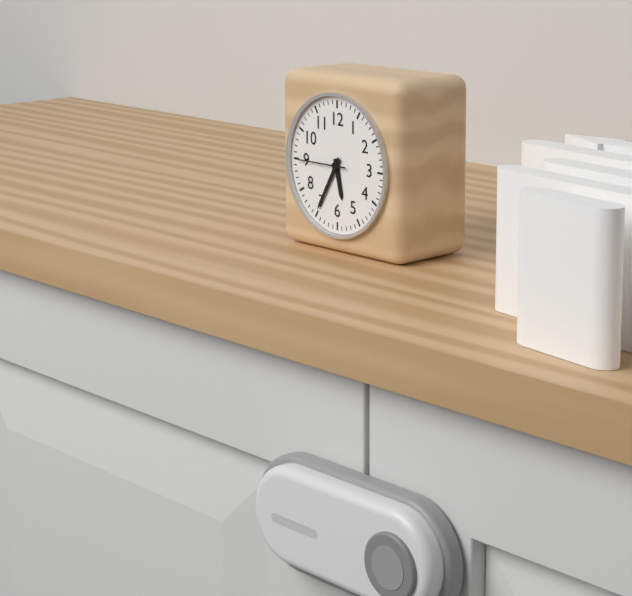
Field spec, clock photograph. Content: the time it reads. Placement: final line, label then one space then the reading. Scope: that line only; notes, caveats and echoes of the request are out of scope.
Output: 5:35:45
